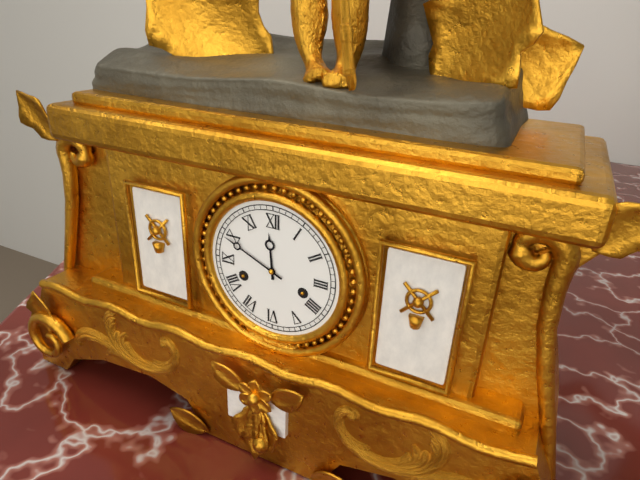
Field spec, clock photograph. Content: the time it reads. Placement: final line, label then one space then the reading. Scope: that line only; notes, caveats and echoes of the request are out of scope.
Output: 11:49
